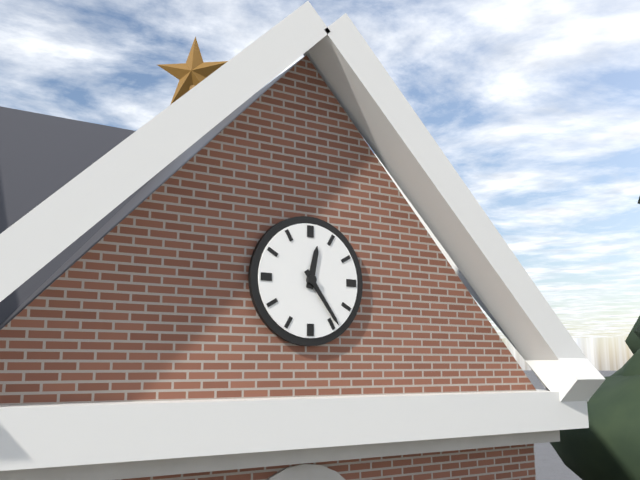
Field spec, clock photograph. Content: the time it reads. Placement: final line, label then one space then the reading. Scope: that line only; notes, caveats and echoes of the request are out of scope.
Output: 12:24
